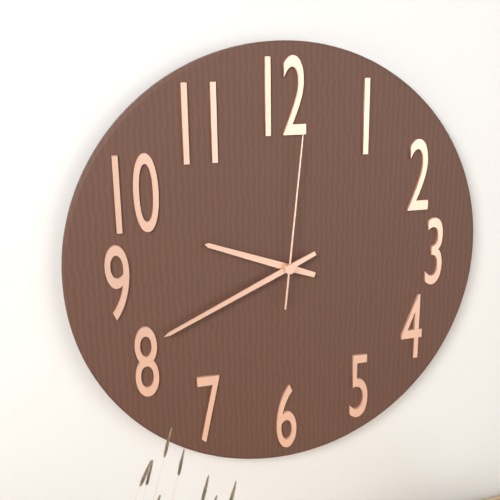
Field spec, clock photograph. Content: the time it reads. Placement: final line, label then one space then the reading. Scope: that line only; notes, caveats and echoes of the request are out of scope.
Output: 9:41:01
